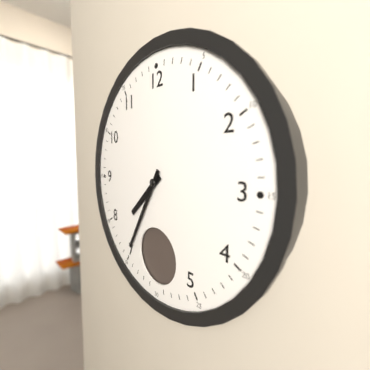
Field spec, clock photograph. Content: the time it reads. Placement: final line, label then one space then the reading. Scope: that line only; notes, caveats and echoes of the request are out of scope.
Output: 7:35
